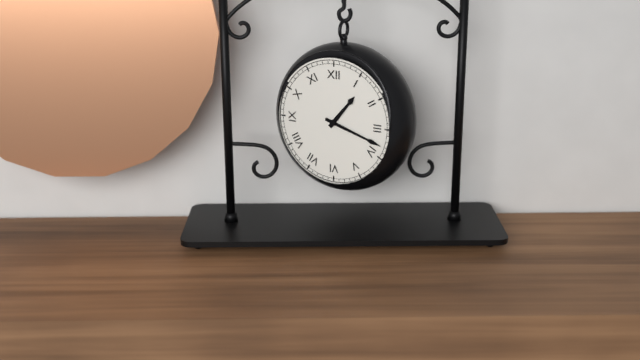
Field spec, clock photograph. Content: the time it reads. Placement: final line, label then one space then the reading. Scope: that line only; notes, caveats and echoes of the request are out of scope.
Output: 1:18
